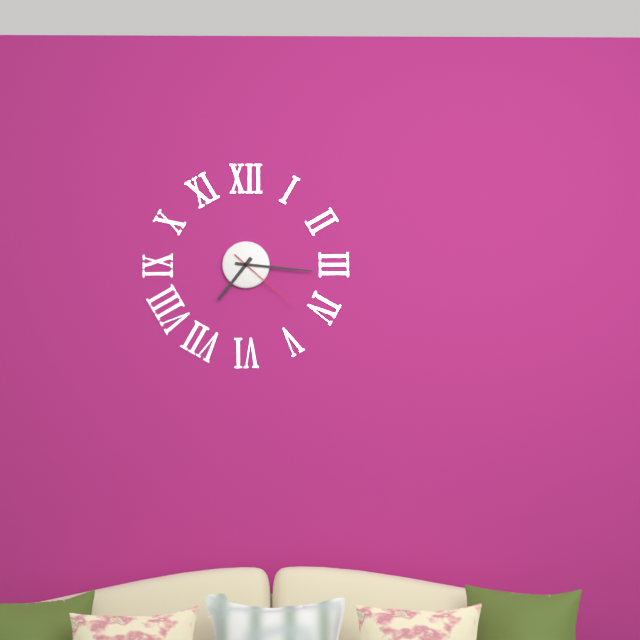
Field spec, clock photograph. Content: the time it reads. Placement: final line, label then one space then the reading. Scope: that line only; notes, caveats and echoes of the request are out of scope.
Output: 7:16:22
